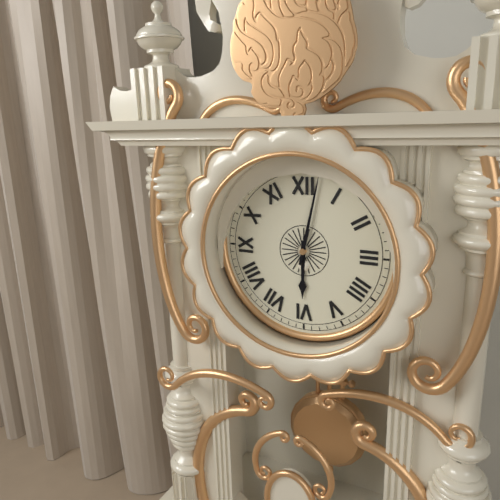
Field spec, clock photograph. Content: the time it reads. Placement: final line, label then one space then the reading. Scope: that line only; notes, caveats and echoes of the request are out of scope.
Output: 6:02
